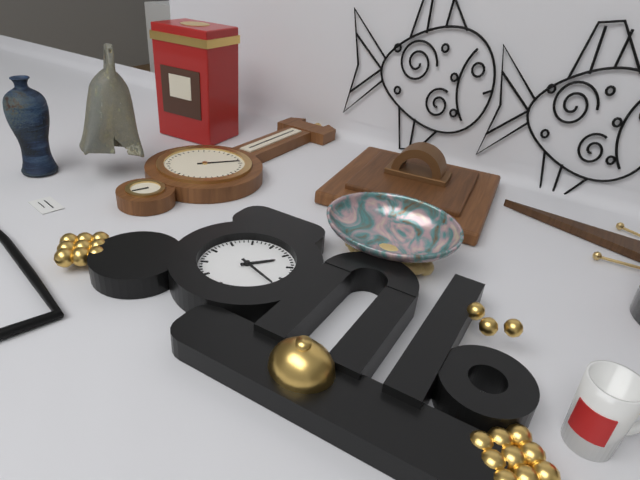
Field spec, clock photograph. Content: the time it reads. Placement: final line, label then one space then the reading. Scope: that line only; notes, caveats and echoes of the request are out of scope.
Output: 1:18
